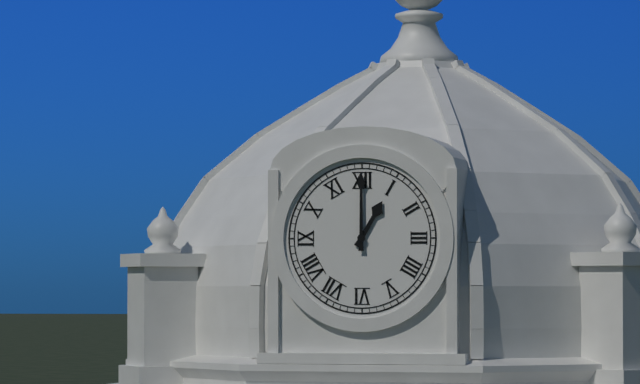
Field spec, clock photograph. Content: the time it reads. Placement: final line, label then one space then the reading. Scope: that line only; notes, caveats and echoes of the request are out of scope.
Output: 1:00
